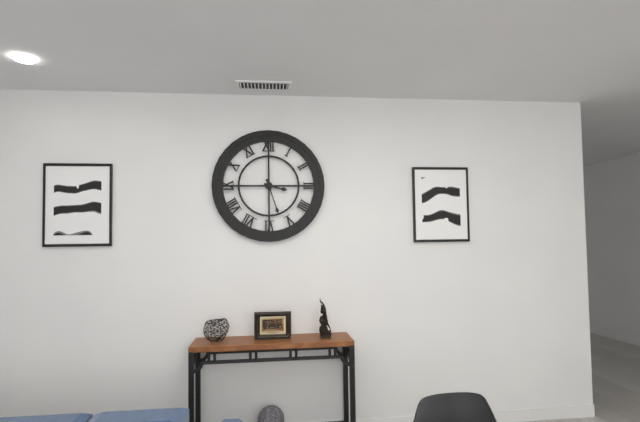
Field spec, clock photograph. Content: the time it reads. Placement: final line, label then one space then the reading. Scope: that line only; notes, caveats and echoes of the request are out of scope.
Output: 3:27
